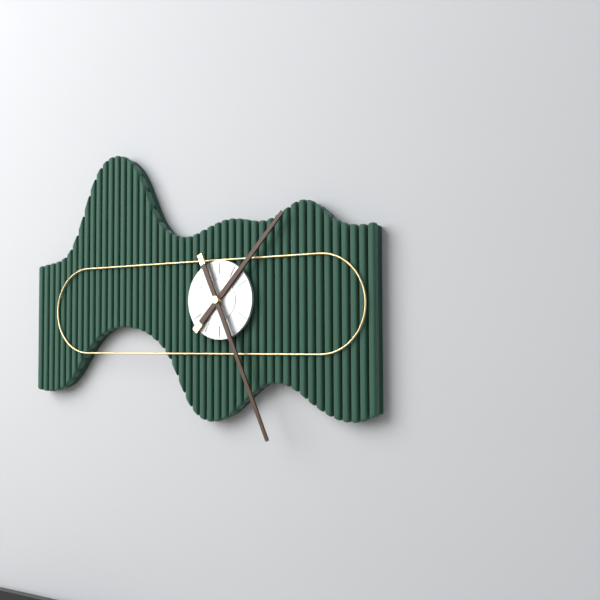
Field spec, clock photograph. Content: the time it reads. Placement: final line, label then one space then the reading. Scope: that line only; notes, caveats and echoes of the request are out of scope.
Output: 1:26
